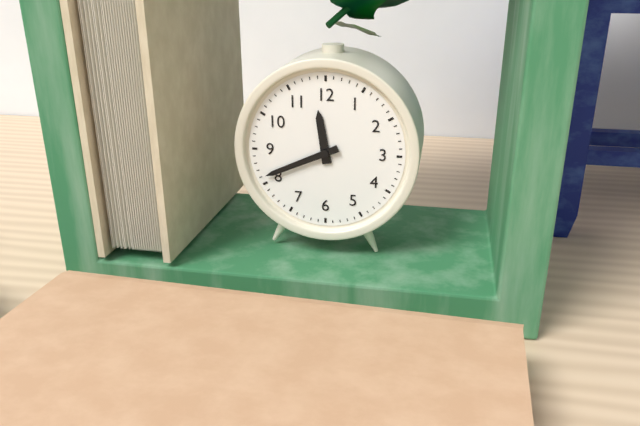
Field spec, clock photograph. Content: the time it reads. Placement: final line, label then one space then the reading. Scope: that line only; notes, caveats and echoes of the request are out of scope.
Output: 11:41
